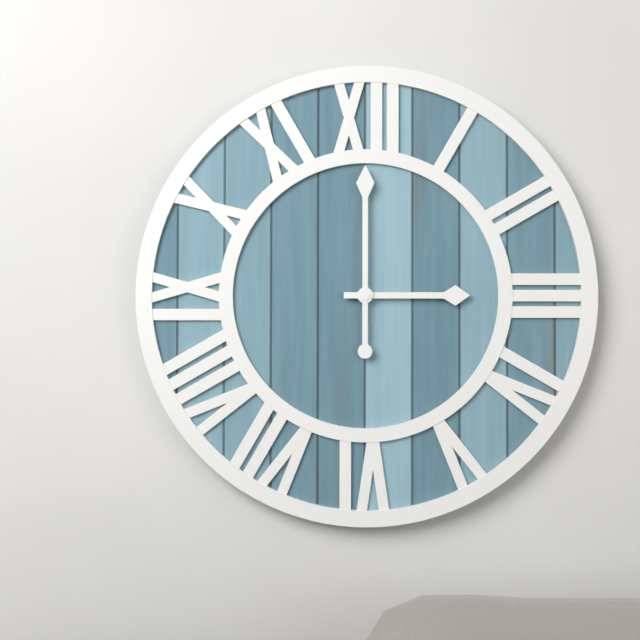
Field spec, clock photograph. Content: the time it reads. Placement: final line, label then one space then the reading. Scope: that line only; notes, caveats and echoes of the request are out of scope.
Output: 3:00
